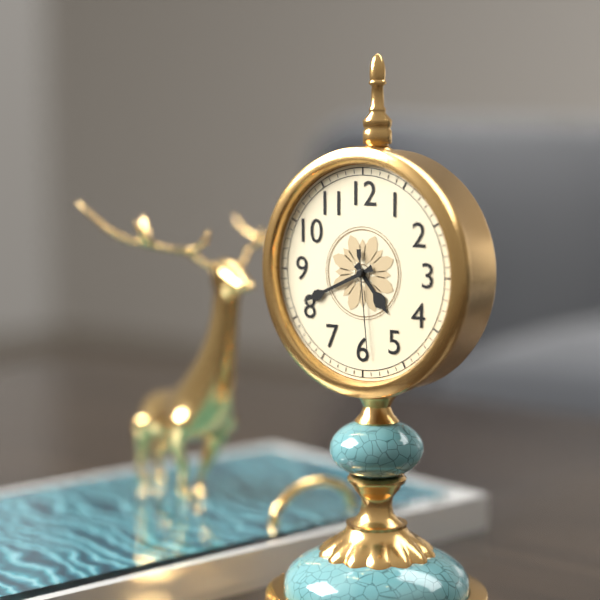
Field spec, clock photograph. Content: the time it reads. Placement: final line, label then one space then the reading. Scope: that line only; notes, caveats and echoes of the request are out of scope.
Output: 4:41:29
